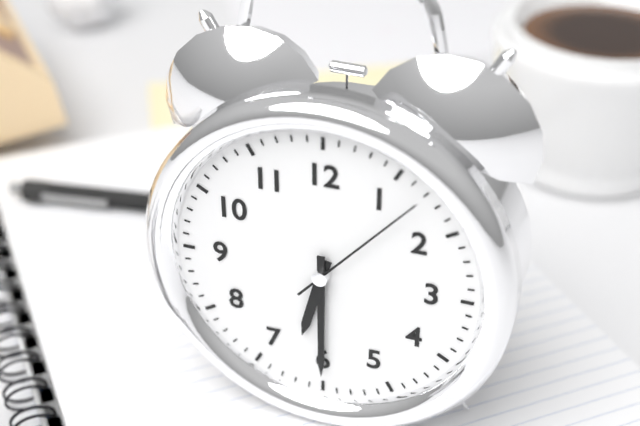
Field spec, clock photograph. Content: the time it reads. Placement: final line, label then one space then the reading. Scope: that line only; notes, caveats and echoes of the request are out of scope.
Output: 6:30:07
